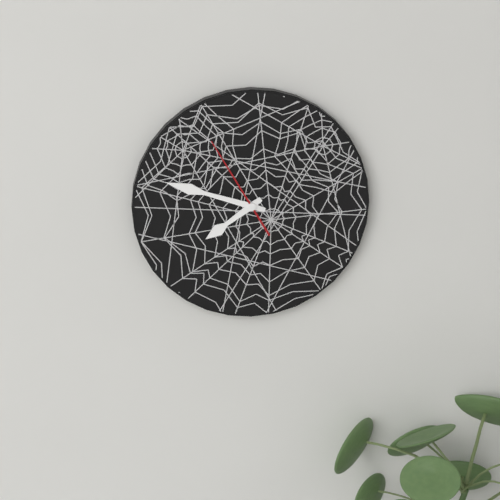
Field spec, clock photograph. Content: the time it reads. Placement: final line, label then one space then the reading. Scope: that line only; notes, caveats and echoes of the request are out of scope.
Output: 7:48:55
